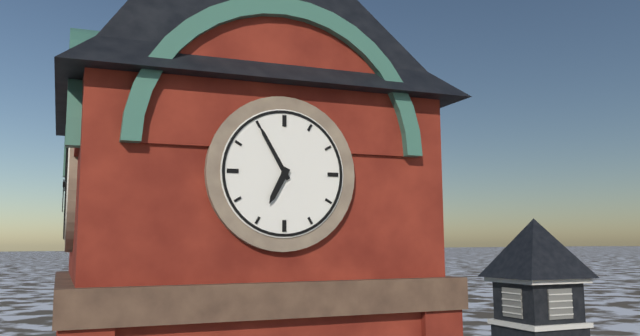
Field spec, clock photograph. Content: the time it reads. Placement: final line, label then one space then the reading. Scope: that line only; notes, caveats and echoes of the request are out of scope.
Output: 6:55
